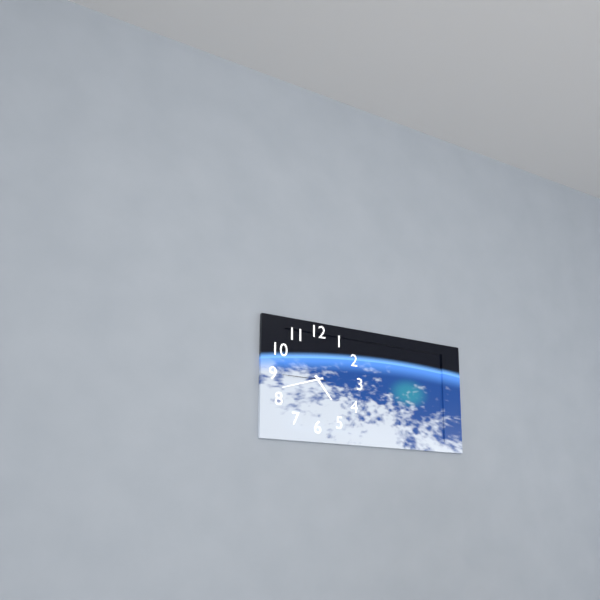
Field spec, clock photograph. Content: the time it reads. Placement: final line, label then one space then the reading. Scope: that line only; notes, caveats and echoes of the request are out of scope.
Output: 4:42
